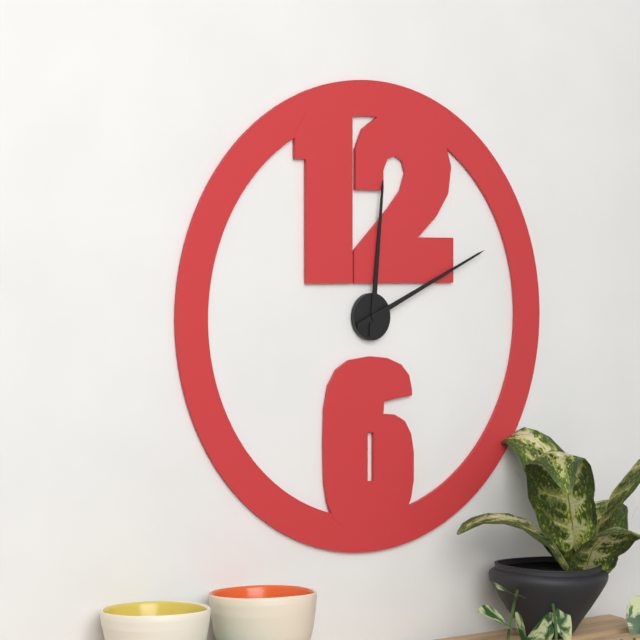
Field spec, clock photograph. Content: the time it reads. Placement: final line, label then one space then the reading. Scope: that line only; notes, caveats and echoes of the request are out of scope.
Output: 12:11
